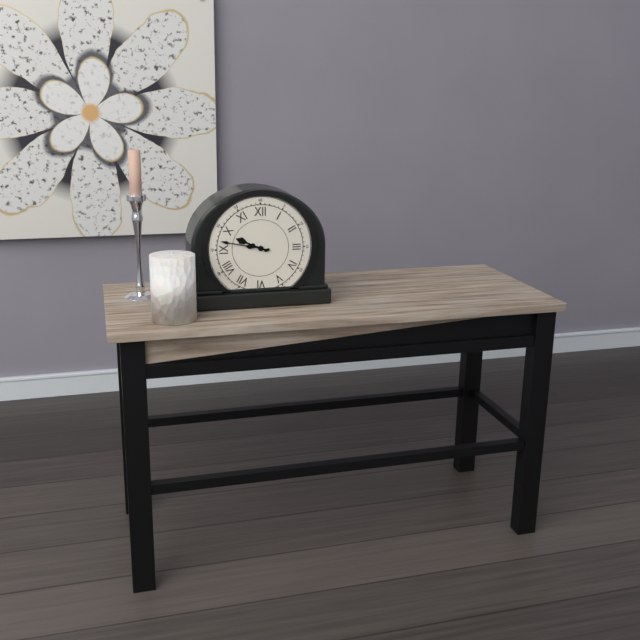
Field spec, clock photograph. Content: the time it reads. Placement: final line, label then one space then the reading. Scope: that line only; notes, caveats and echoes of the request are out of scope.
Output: 9:47
